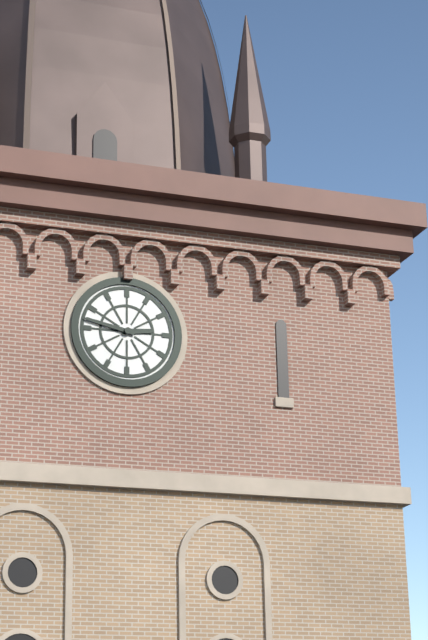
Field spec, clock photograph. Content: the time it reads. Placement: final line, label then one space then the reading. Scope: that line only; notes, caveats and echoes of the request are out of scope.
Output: 2:47
